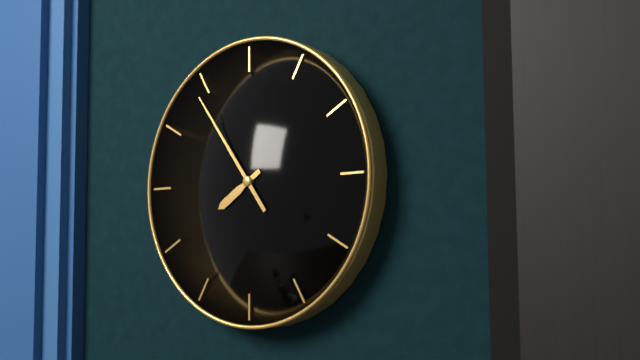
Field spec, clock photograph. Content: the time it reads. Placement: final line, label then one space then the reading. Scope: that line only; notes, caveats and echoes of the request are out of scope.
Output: 7:54
